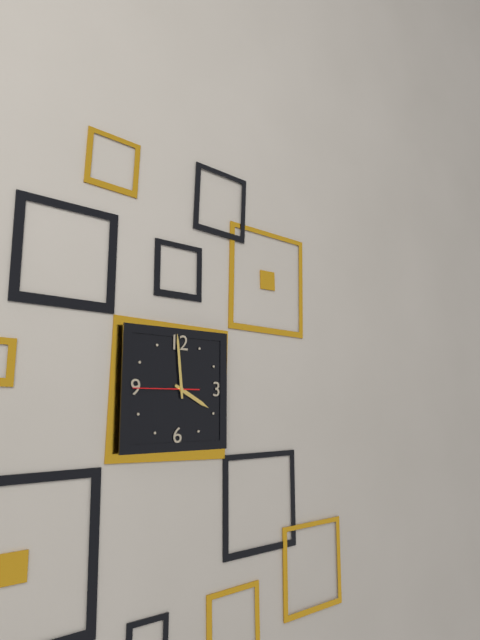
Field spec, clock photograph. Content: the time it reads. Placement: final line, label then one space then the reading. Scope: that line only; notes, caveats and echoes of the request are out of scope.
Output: 3:59:45
